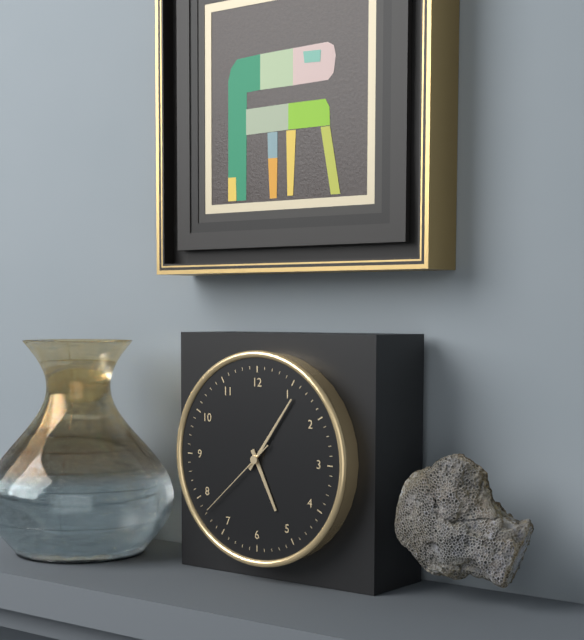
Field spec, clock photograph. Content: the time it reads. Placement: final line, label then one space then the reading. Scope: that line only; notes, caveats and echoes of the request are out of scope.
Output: 5:06:38
